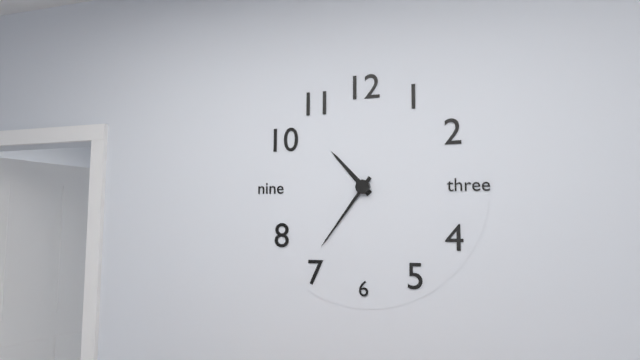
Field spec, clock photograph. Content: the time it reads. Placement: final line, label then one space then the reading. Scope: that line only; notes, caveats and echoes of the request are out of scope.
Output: 10:36
